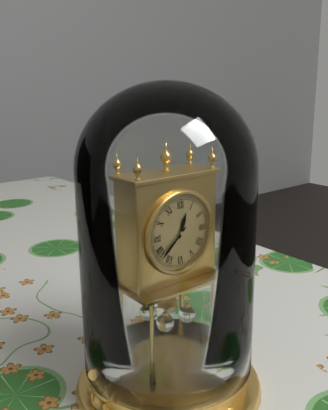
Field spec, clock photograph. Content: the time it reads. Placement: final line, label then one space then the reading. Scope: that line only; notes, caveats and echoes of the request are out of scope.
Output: 12:38
